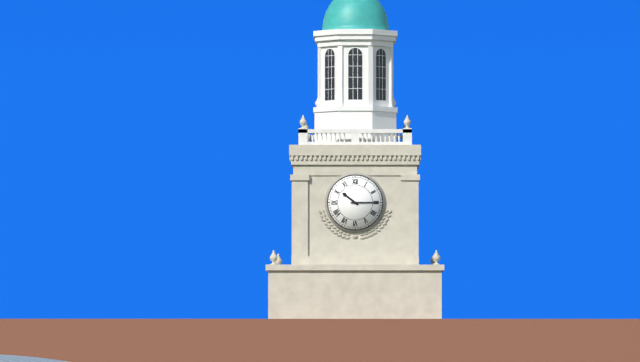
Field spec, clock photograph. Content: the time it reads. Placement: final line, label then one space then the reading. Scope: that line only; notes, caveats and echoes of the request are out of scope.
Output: 10:15
